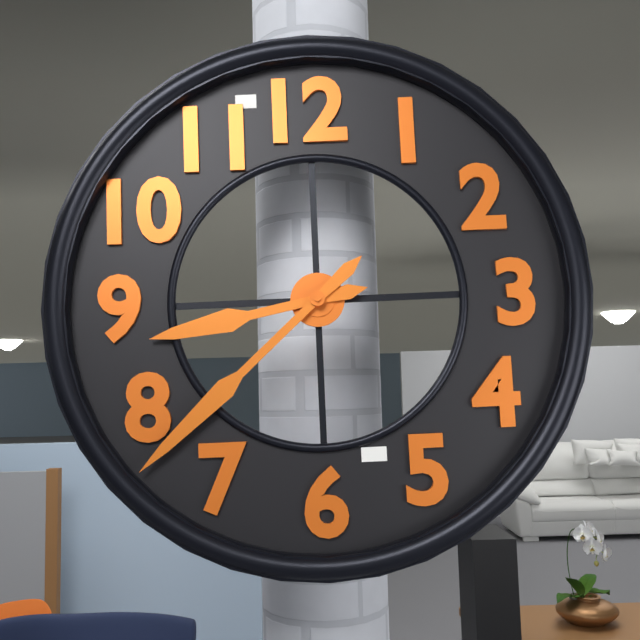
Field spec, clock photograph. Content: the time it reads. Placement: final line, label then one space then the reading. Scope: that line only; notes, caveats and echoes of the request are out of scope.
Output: 8:38
